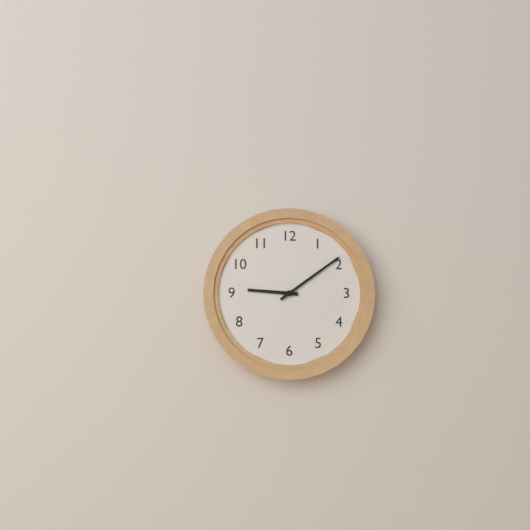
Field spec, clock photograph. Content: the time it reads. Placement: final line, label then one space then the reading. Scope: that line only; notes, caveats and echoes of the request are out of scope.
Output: 9:09
